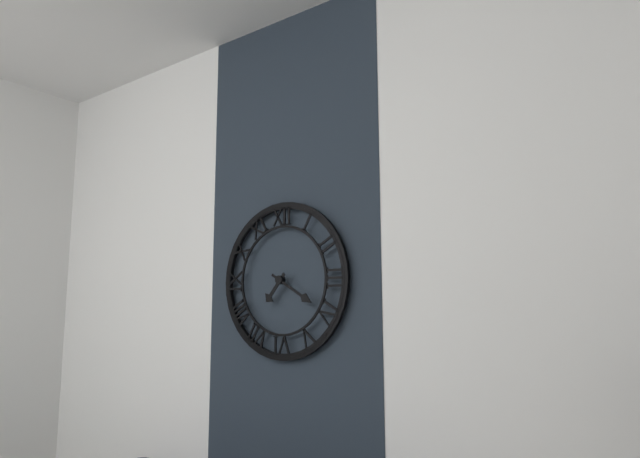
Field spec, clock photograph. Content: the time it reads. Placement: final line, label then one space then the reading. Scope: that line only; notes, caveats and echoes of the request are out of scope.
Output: 7:20
